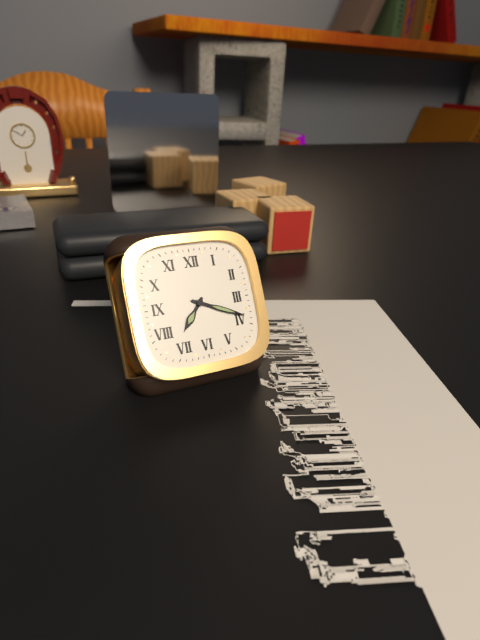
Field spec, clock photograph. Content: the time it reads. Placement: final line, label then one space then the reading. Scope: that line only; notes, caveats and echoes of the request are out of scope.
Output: 7:19
